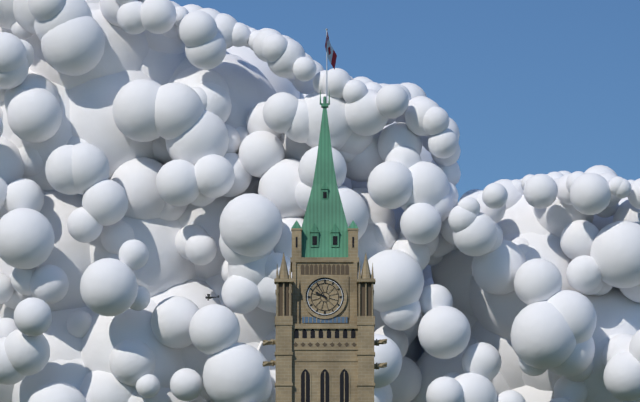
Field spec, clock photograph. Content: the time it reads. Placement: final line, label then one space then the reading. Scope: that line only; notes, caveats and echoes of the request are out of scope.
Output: 9:55
